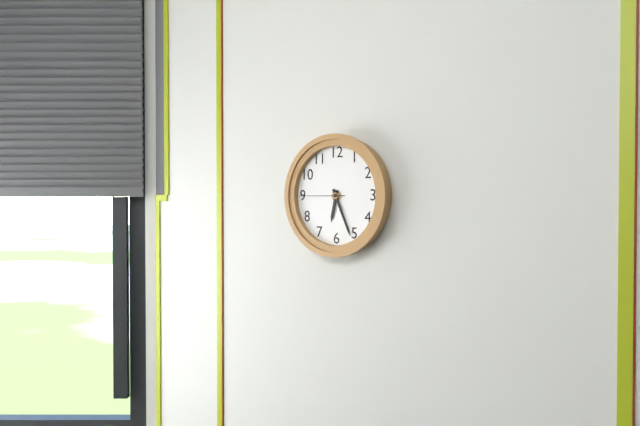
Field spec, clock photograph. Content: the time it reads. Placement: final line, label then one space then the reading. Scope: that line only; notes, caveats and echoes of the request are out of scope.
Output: 6:26
